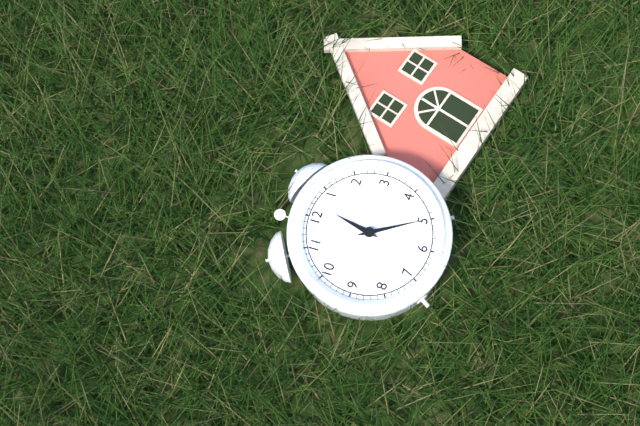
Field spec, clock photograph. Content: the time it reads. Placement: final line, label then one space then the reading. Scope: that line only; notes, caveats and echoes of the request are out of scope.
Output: 12:25
